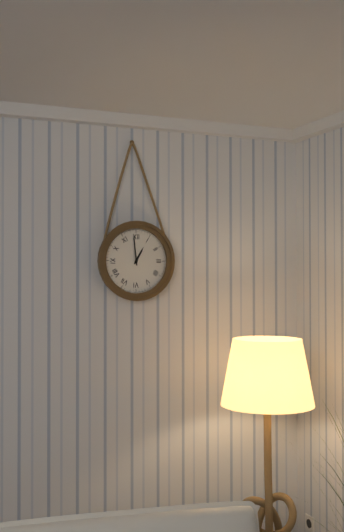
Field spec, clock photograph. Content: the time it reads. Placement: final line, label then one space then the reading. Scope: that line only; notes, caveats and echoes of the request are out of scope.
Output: 12:59
